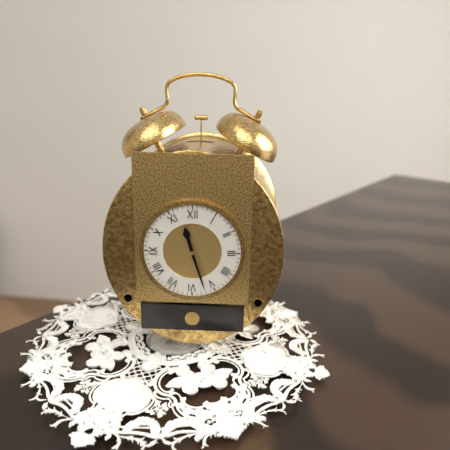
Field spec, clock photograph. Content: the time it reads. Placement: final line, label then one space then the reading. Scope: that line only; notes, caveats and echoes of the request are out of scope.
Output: 11:27
